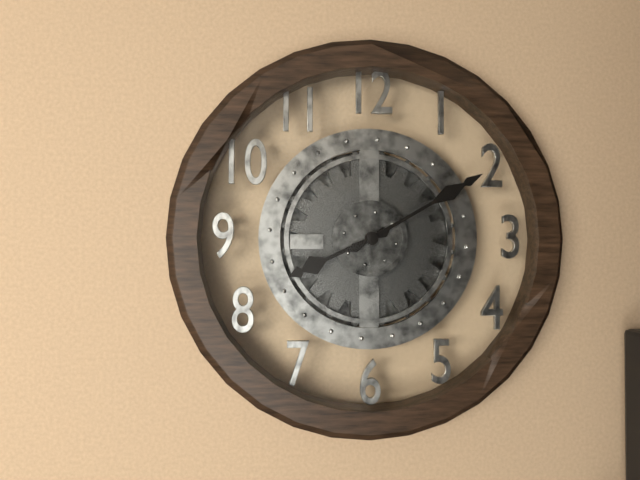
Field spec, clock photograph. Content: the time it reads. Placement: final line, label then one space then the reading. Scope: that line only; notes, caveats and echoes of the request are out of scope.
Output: 8:10
